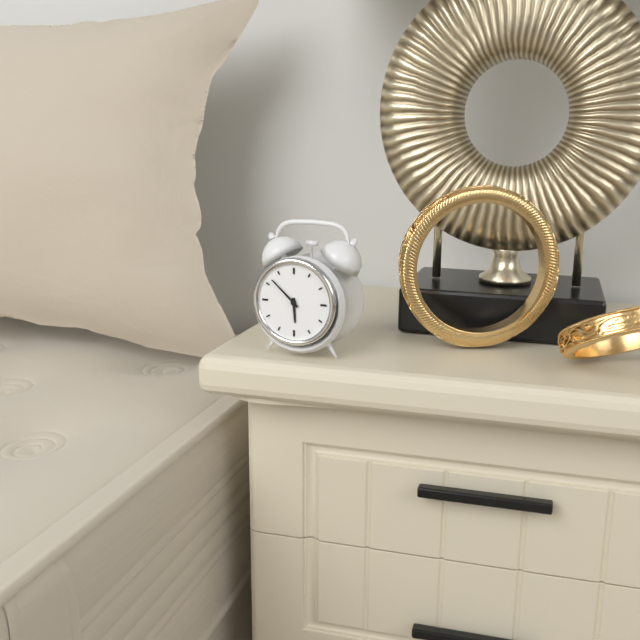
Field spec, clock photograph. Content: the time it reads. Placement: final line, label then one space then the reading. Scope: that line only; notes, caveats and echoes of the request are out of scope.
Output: 5:52
